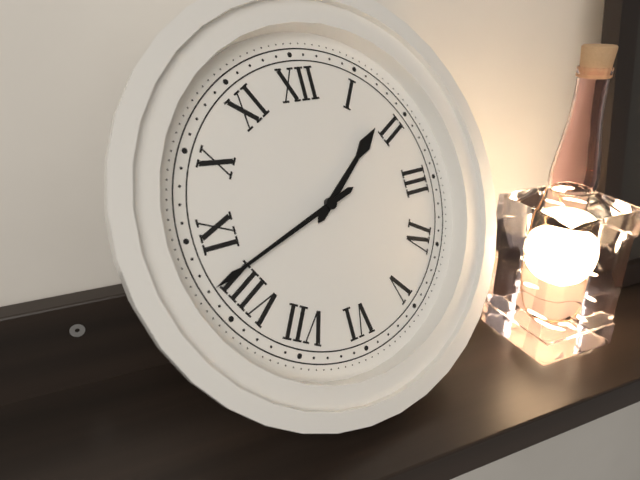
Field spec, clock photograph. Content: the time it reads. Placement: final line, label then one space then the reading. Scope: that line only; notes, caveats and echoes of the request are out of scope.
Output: 1:42
